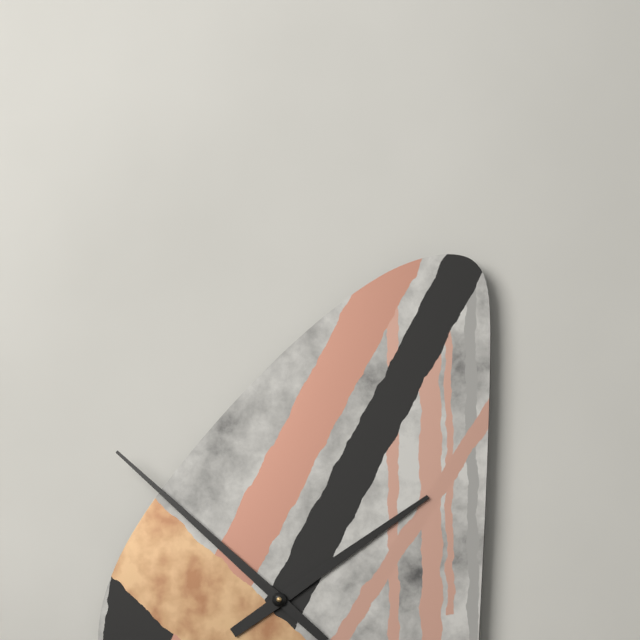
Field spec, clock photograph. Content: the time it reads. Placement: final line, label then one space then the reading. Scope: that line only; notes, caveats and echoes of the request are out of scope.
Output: 1:52
